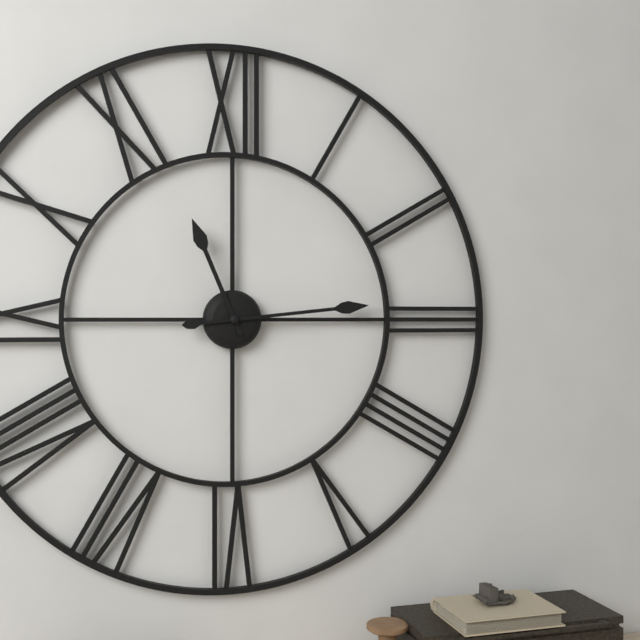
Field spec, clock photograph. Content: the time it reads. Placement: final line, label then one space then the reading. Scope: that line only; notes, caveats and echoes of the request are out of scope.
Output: 11:14
